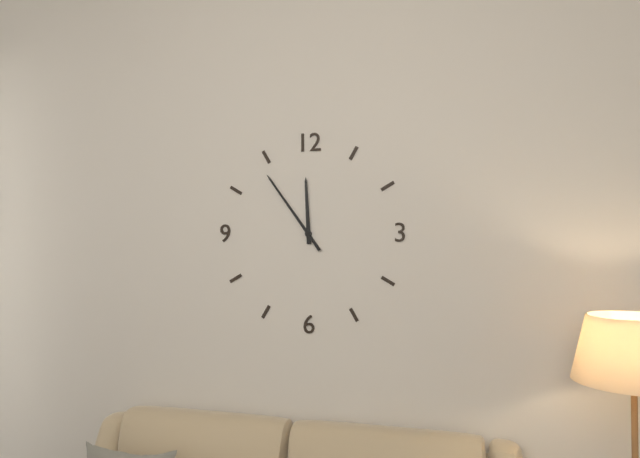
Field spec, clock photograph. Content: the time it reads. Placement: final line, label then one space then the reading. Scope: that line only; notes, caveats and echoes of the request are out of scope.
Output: 11:54
